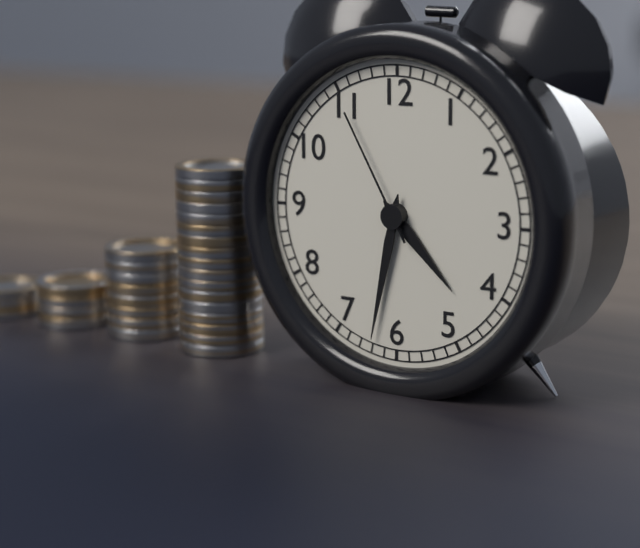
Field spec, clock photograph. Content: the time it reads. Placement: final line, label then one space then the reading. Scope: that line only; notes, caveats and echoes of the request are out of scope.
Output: 4:32:55
